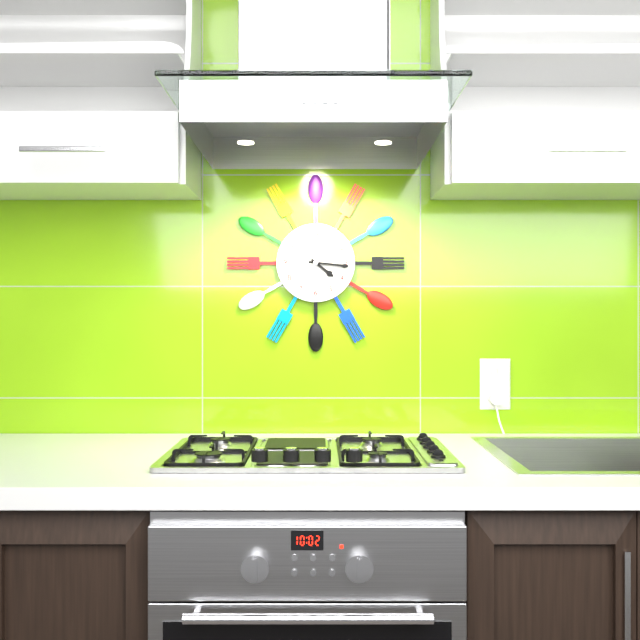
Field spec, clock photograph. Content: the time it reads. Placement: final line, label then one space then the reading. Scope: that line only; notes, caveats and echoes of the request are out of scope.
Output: 4:16
